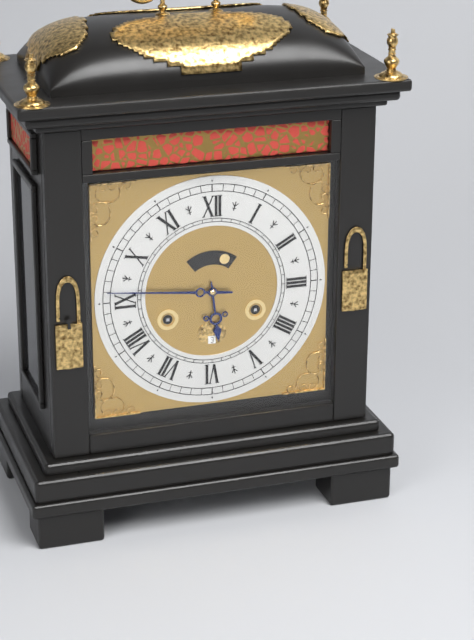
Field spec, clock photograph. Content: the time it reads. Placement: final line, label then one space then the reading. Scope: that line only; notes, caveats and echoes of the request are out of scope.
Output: 5:46
